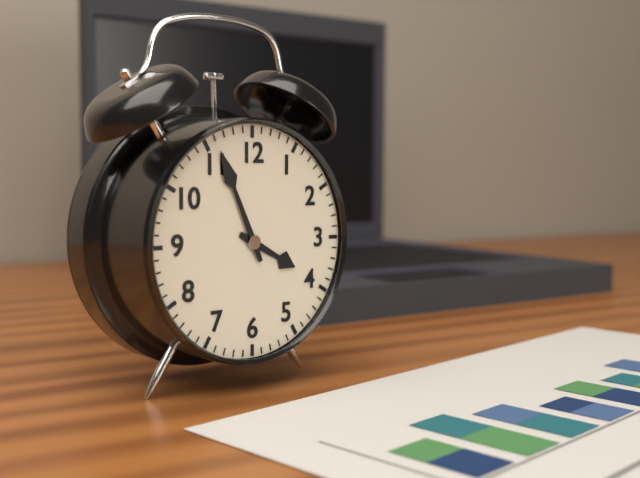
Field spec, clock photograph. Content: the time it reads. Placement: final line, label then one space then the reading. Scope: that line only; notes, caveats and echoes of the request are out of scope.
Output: 3:56
